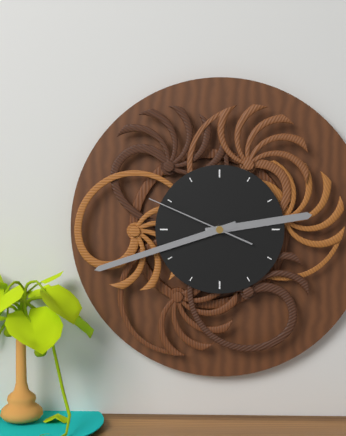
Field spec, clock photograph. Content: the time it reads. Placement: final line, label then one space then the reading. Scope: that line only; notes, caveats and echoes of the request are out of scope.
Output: 2:42:49
